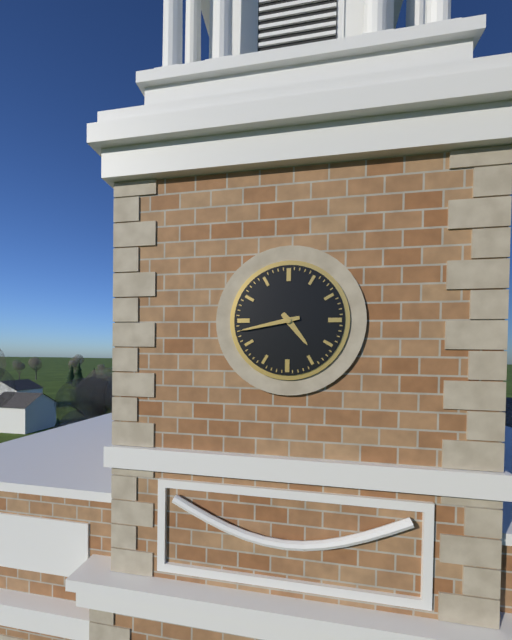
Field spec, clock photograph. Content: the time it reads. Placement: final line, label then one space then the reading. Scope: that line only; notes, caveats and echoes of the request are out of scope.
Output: 4:43
